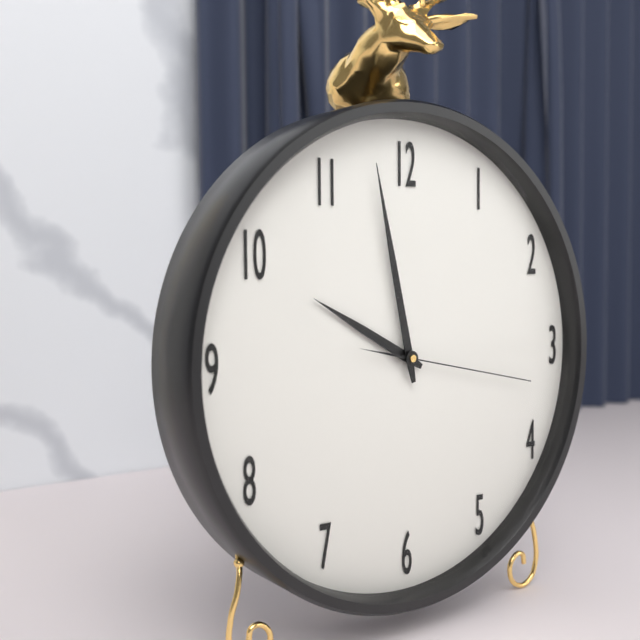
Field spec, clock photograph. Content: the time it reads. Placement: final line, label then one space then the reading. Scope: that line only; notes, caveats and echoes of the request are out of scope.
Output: 9:58:17
